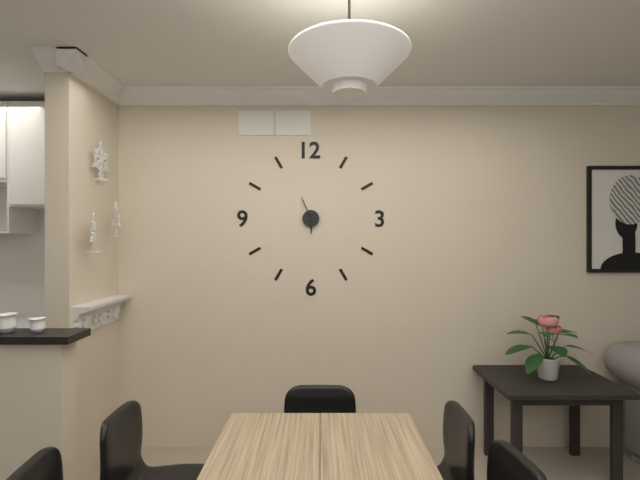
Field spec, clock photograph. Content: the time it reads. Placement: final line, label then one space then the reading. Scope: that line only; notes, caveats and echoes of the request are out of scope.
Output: 5:56
